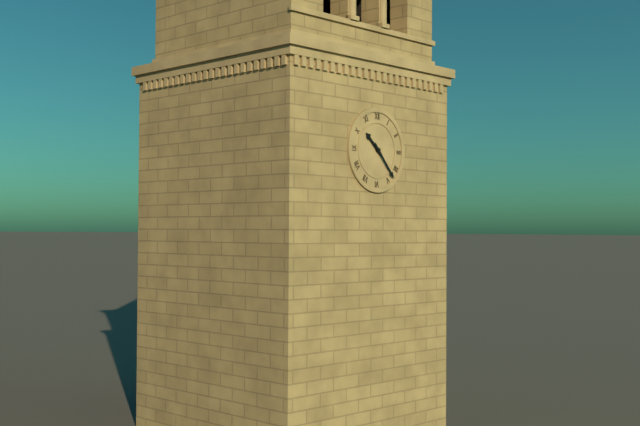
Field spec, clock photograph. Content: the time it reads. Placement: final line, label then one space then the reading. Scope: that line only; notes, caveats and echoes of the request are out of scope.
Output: 10:23
